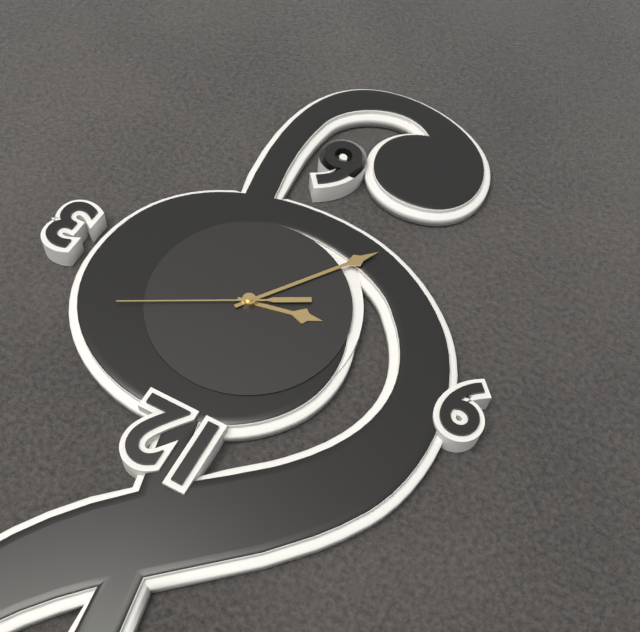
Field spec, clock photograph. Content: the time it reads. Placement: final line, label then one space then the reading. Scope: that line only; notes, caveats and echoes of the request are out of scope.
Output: 8:36:10
